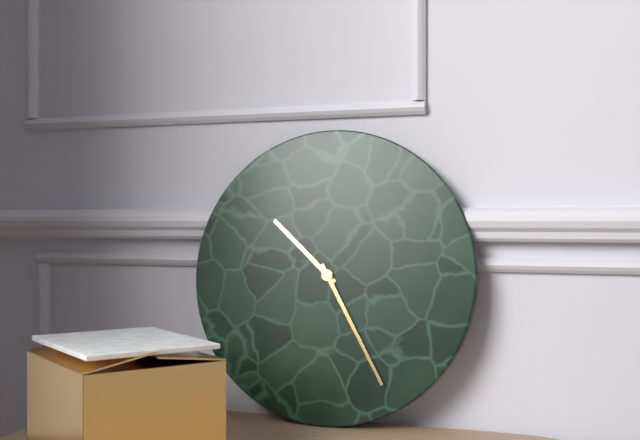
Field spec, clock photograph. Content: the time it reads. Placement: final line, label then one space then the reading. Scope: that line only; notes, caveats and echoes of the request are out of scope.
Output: 10:25
